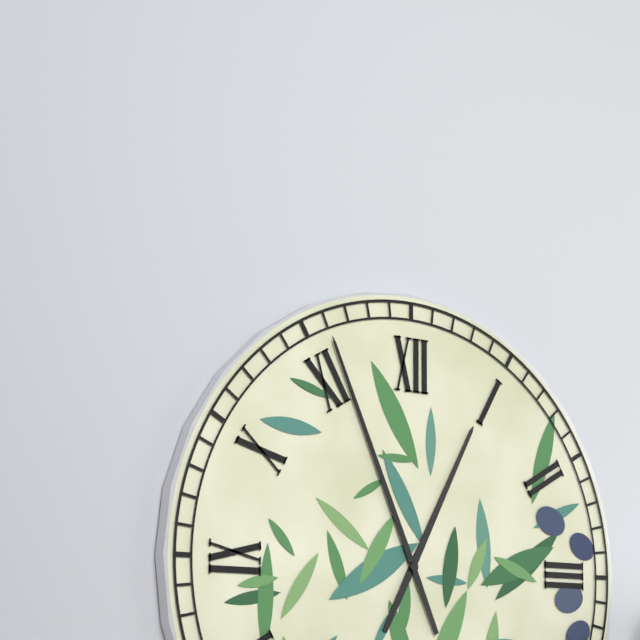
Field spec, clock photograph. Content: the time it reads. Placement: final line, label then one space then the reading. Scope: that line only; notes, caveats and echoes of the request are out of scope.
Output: 12:56
